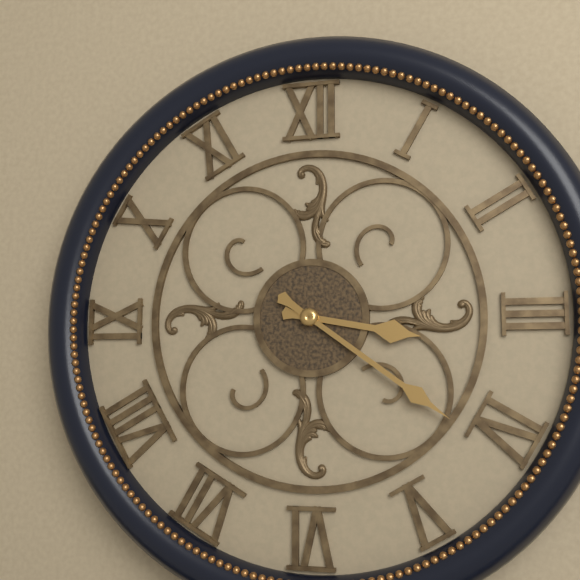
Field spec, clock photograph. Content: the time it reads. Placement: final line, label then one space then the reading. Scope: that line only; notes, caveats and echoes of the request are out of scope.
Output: 3:21
